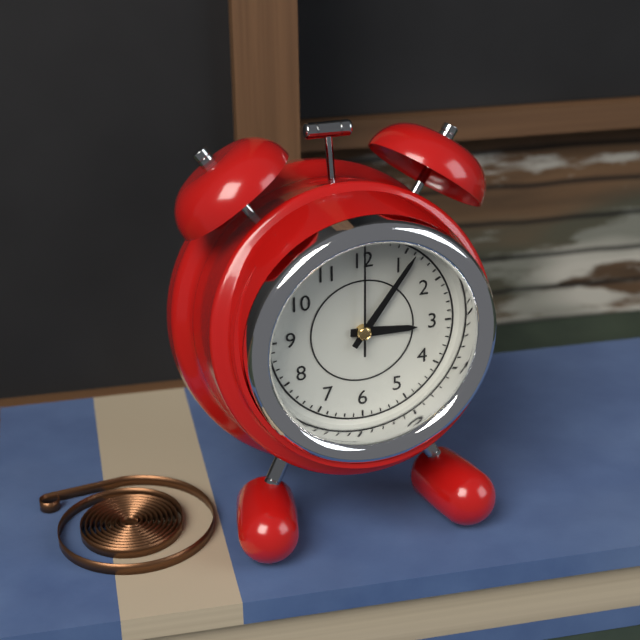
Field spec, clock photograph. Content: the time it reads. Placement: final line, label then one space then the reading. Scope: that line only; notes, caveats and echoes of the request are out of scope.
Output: 3:06:00
